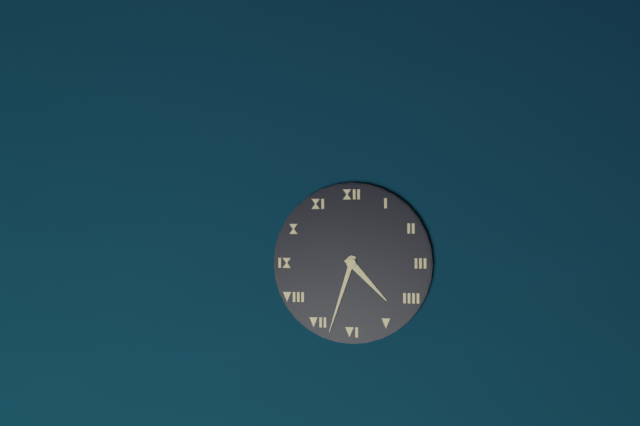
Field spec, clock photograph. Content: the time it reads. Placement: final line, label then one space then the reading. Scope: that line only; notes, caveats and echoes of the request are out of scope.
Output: 4:33
